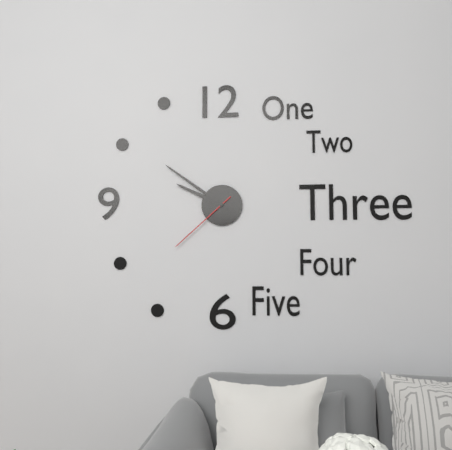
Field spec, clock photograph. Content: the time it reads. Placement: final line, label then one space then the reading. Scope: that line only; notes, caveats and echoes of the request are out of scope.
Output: 9:51:38
